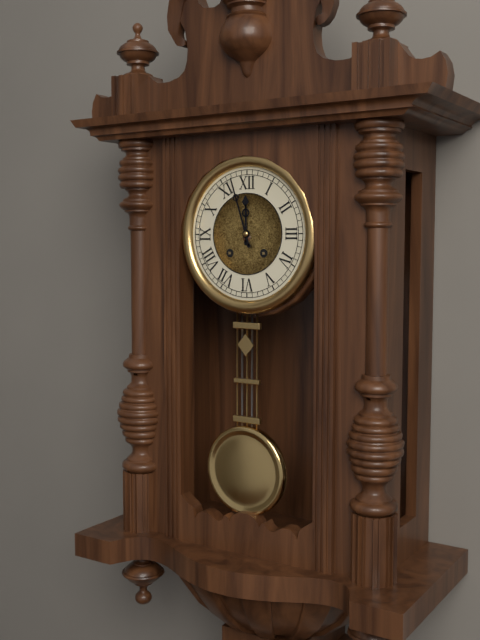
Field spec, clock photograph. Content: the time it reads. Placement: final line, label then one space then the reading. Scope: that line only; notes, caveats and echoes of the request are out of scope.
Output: 11:57
